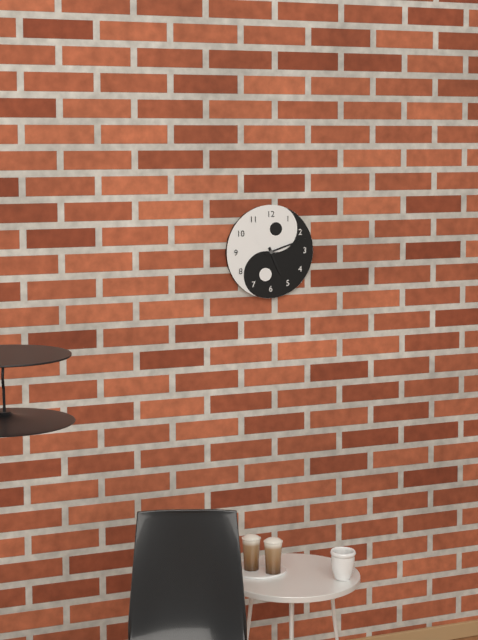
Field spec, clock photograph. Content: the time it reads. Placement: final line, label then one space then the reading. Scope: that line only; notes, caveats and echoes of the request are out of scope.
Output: 5:12
